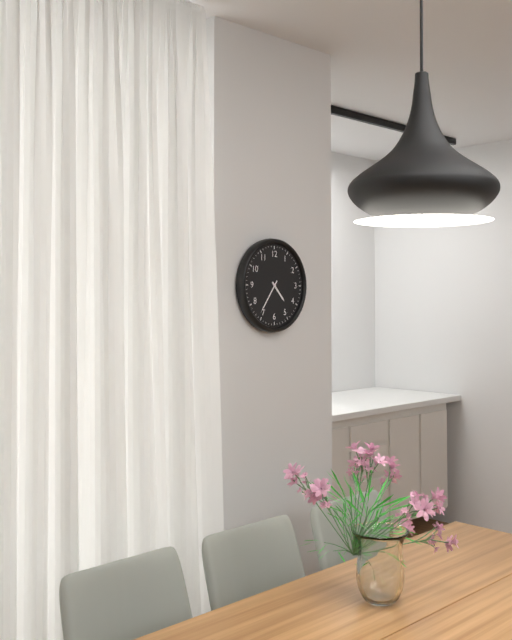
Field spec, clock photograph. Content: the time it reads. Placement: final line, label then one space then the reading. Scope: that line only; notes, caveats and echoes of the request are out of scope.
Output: 4:36
